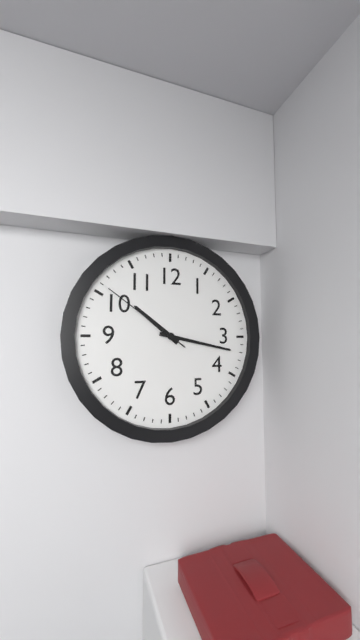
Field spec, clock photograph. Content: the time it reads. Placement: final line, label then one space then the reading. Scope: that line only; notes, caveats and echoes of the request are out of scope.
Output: 10:17:51
